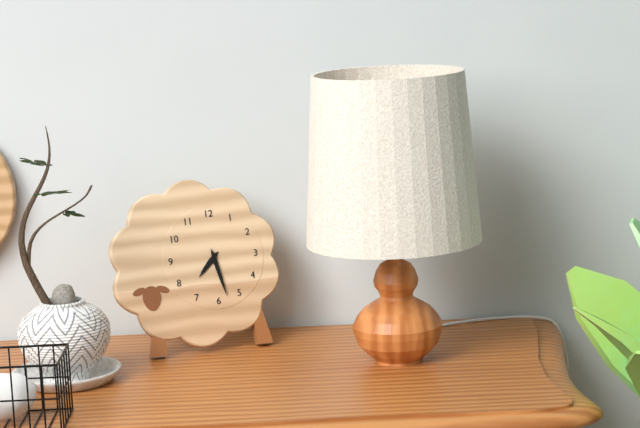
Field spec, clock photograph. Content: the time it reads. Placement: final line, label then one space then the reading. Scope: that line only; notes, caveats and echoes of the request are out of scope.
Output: 7:28
